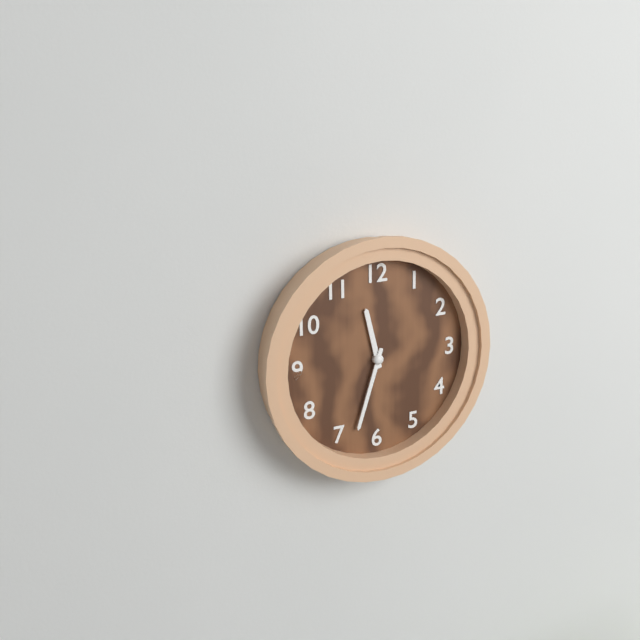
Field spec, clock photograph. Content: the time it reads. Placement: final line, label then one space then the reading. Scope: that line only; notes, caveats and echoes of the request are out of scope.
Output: 11:33
